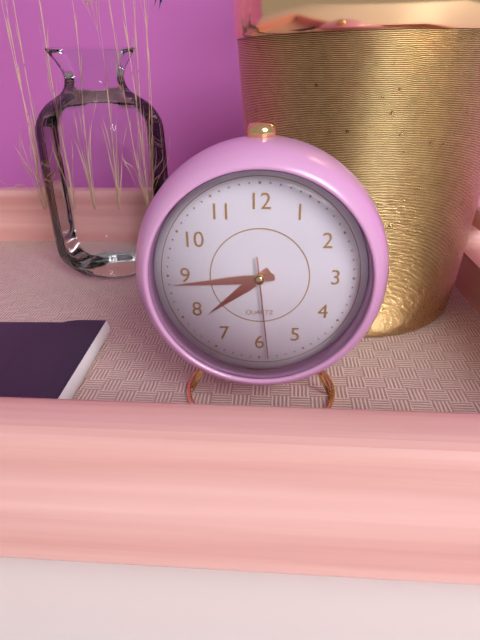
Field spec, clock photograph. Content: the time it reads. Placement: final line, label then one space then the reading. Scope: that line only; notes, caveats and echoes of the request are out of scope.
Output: 7:44:29
